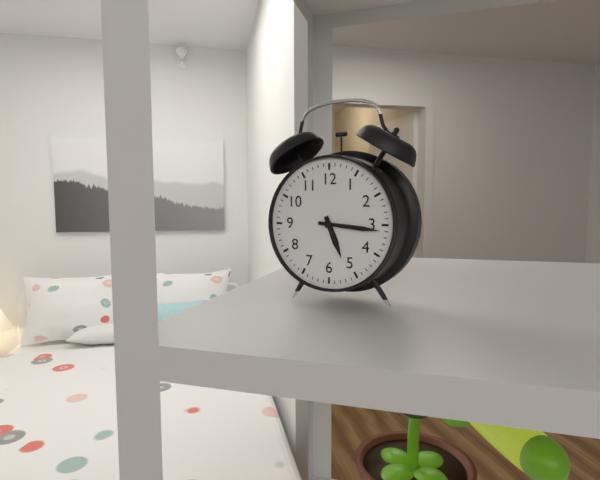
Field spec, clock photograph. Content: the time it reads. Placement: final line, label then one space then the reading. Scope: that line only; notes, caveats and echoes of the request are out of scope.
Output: 5:16
